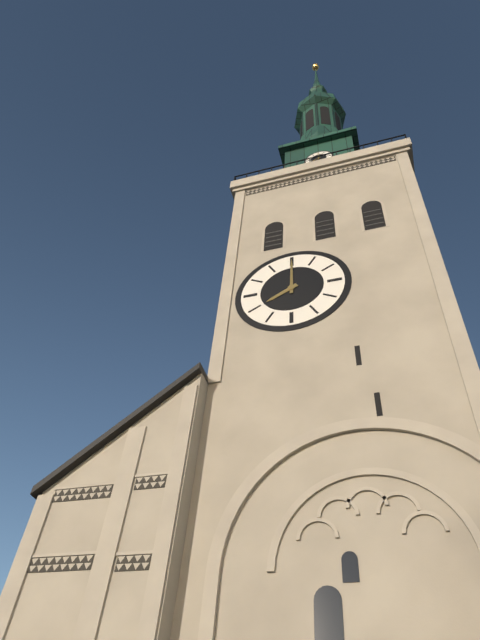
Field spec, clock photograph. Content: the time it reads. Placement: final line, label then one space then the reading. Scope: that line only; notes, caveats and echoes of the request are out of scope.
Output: 8:00
